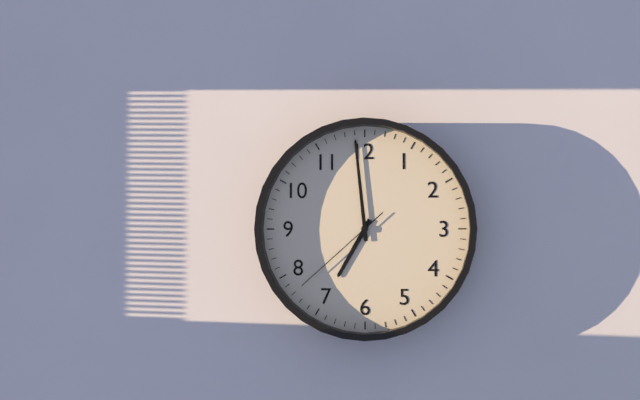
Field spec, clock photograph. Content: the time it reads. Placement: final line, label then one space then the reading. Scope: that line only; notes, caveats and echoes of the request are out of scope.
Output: 6:59:38
